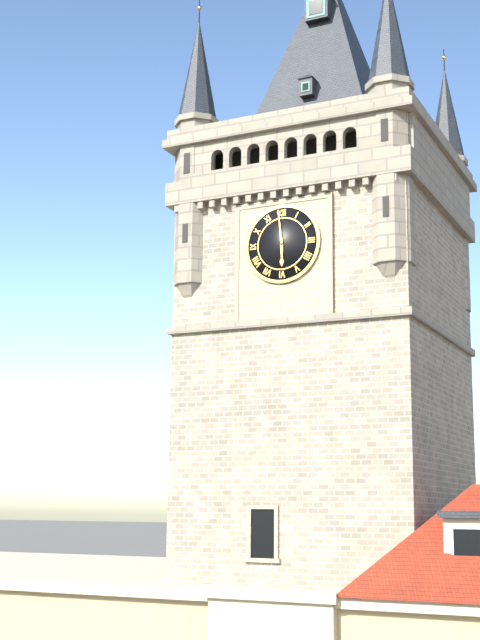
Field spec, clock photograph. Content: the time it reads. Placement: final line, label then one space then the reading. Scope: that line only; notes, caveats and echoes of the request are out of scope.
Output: 5:59
